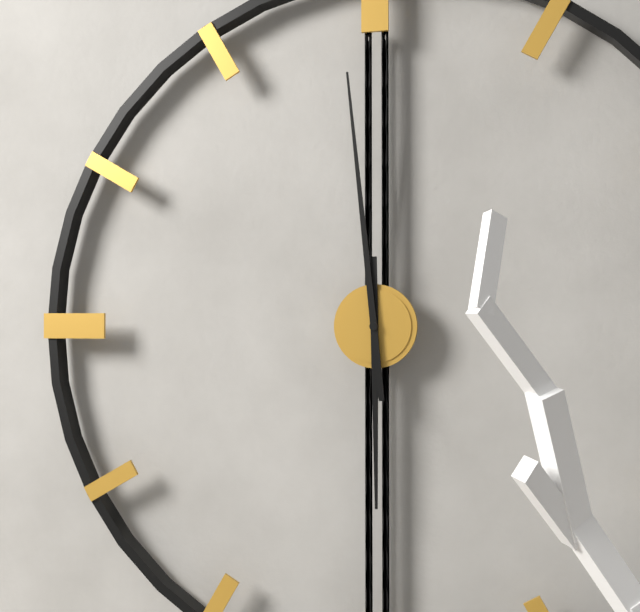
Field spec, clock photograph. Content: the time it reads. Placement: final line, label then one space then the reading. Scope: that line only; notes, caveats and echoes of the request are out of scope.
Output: 5:59
